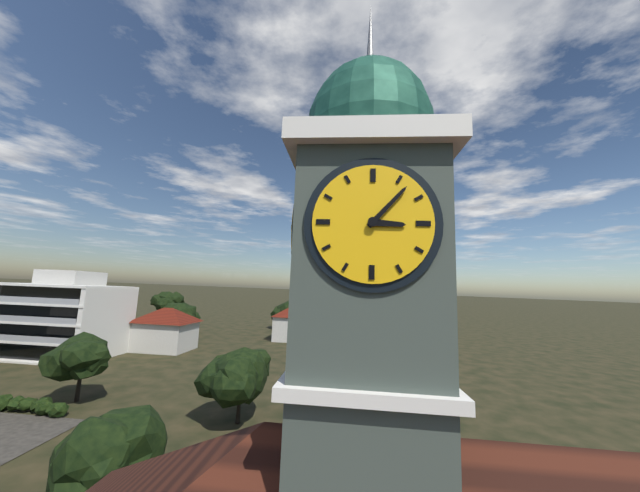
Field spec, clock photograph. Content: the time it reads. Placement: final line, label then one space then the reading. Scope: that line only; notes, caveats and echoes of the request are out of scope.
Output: 3:07
